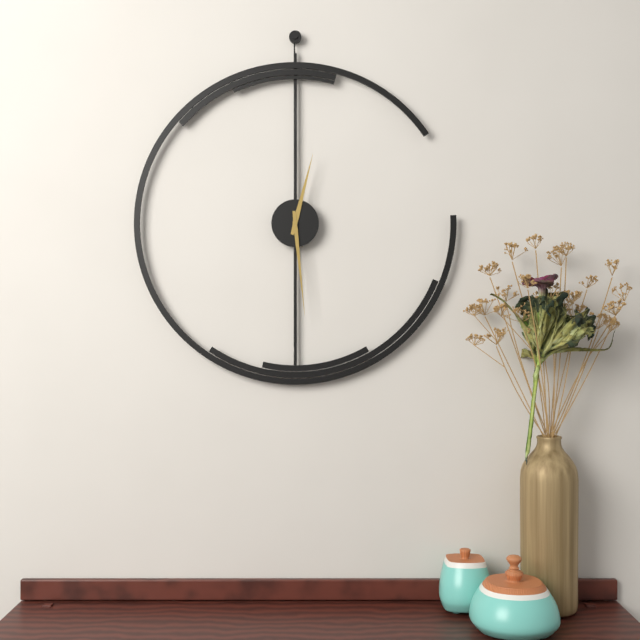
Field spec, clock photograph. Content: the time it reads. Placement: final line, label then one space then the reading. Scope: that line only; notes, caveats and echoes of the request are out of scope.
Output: 12:29
